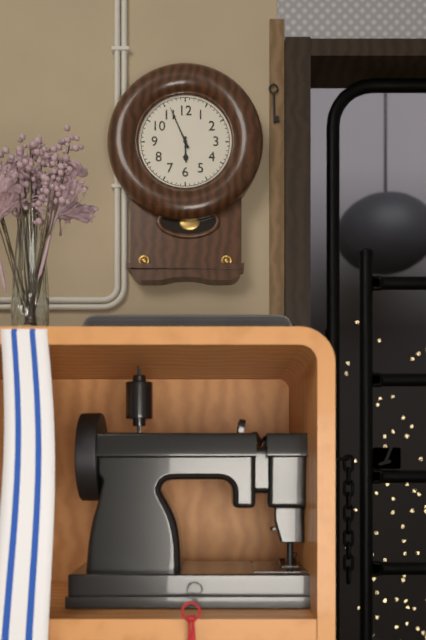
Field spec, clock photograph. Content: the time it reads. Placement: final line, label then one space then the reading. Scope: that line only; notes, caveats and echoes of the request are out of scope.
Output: 5:56
